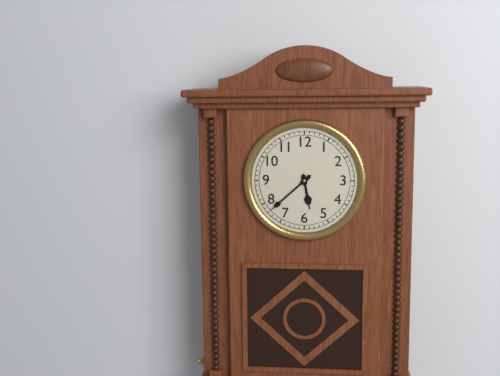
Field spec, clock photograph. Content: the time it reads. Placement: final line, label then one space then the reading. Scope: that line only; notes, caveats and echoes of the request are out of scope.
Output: 5:38
